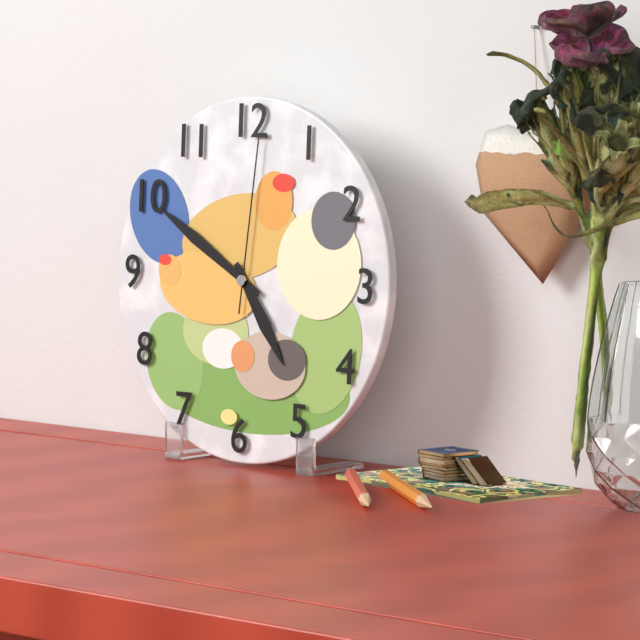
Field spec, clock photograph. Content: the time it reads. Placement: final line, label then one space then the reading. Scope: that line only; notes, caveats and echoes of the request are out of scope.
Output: 4:50:01
